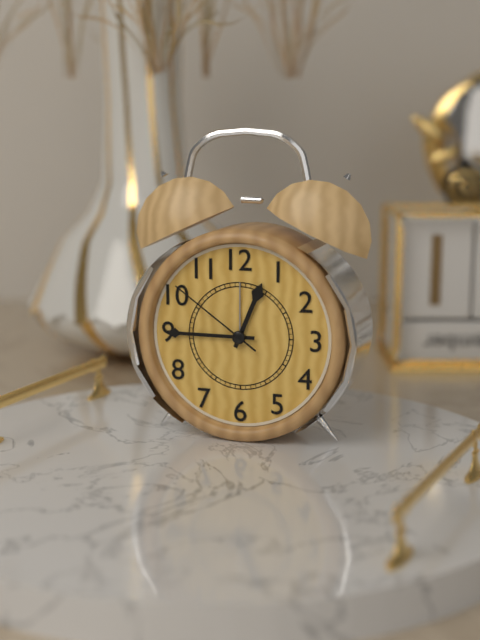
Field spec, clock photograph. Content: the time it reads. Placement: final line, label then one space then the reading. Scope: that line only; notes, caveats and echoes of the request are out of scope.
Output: 12:45:51
